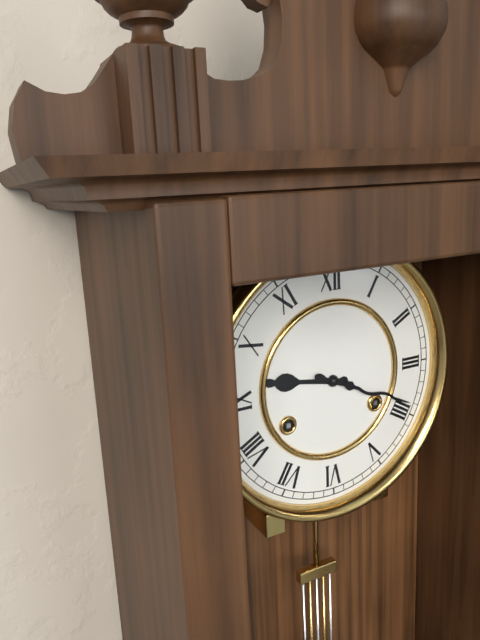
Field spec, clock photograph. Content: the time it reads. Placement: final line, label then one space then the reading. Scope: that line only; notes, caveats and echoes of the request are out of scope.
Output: 9:19
